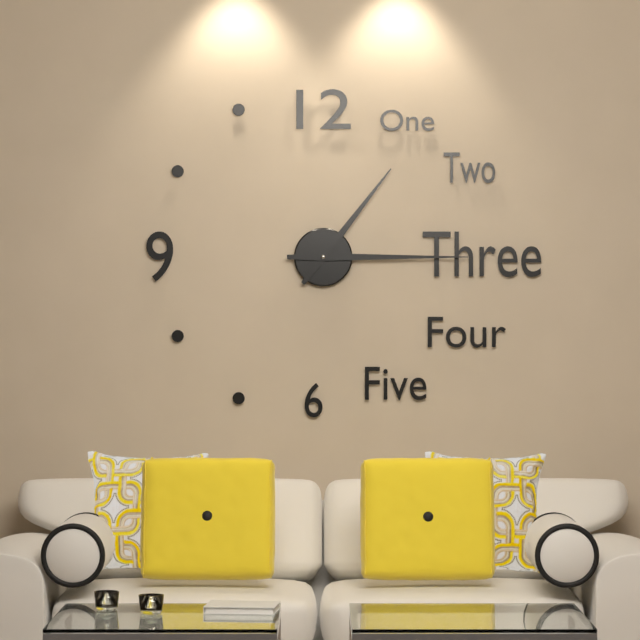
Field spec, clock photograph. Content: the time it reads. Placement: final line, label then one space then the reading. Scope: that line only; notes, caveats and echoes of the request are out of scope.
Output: 1:15
